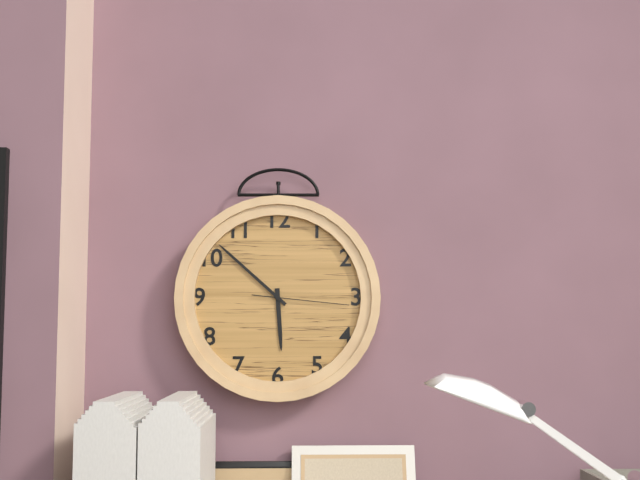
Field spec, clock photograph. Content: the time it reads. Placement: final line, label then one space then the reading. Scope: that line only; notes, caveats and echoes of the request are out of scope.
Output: 5:52:16
